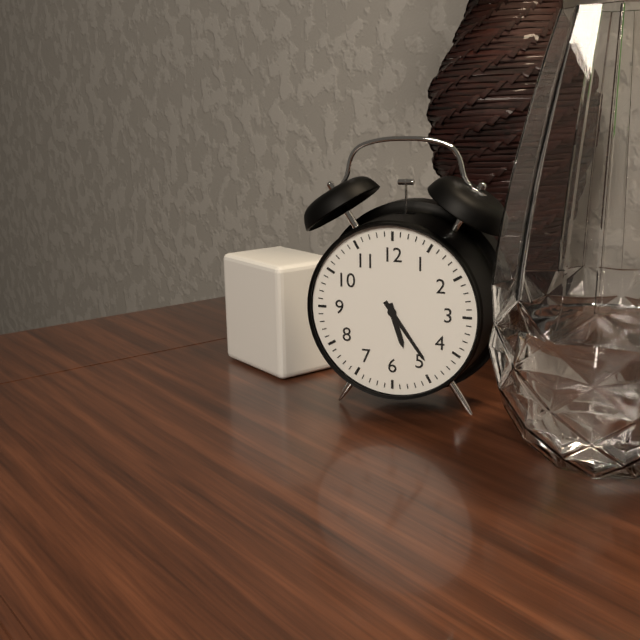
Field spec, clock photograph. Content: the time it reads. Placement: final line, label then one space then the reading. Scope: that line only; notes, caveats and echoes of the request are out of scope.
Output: 5:24
